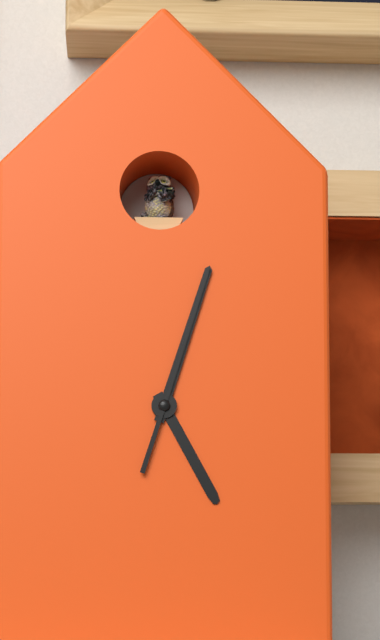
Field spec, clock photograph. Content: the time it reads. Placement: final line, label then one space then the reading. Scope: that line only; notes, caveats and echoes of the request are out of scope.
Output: 5:03:03
